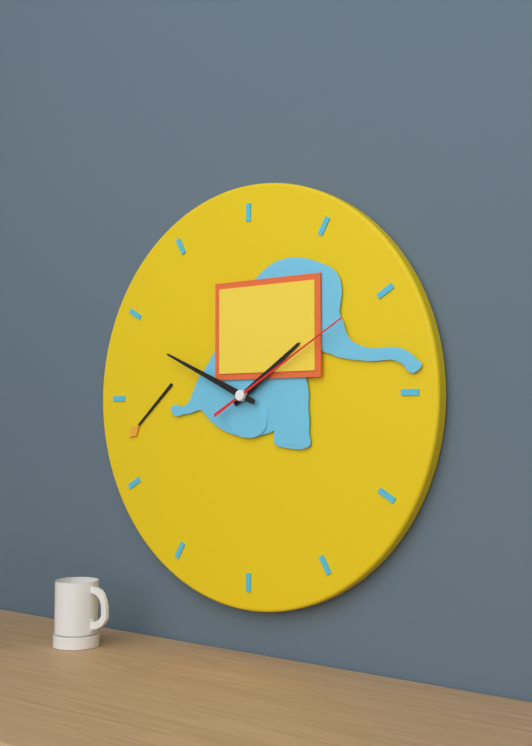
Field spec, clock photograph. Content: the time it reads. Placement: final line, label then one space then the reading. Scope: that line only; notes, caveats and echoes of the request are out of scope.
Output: 1:49:10
